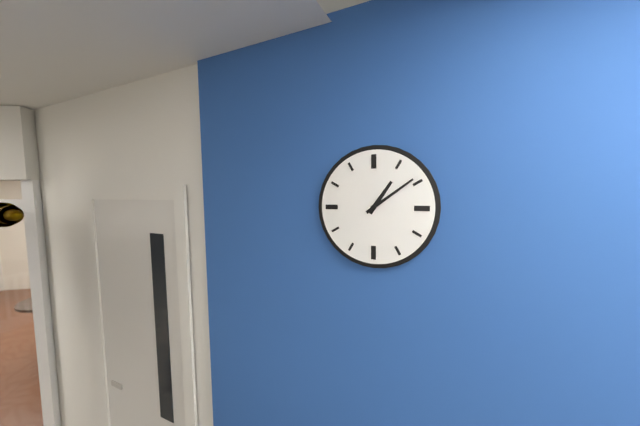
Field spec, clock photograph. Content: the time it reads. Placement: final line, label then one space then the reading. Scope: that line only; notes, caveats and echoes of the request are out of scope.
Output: 1:09
